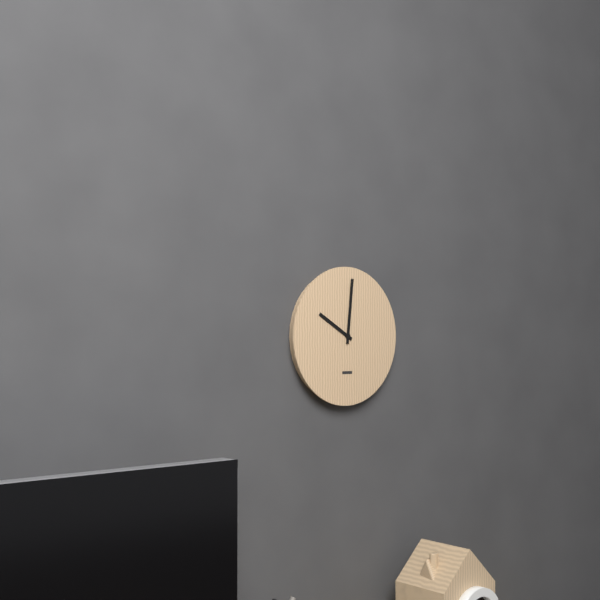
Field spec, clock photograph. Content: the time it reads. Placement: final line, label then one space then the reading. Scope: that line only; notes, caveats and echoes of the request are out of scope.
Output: 10:01
